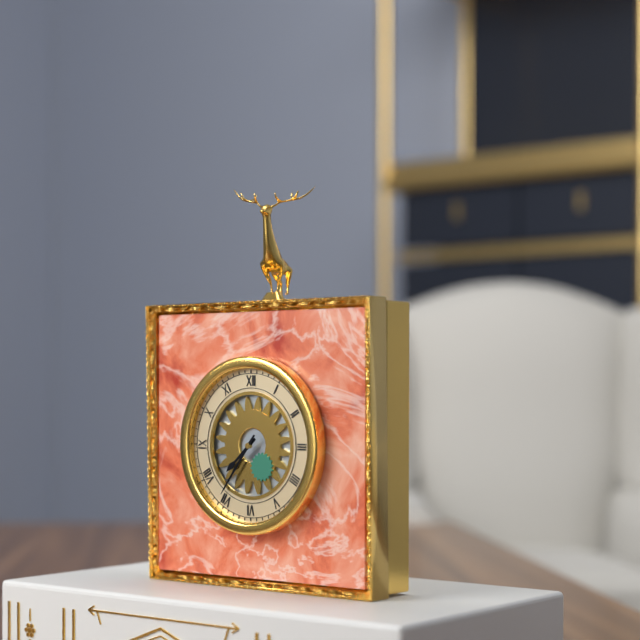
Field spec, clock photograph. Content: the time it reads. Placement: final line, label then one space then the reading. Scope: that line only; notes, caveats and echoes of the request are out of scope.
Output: 7:36
